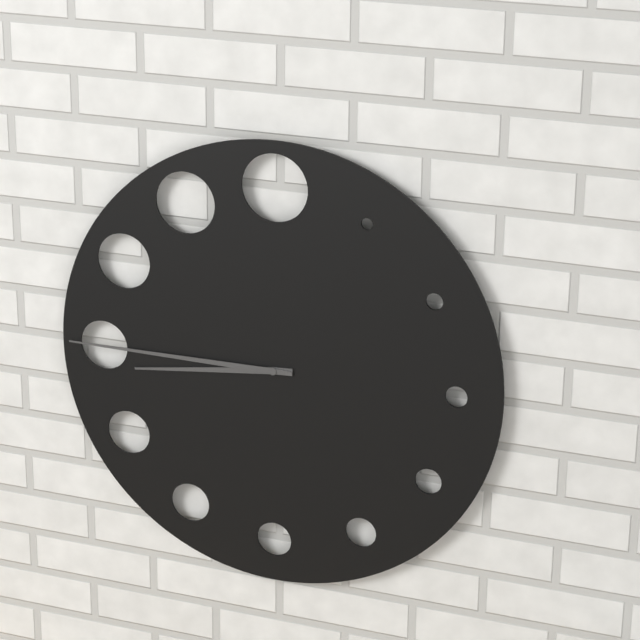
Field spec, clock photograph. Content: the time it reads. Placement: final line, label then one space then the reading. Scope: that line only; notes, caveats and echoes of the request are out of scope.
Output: 8:45
